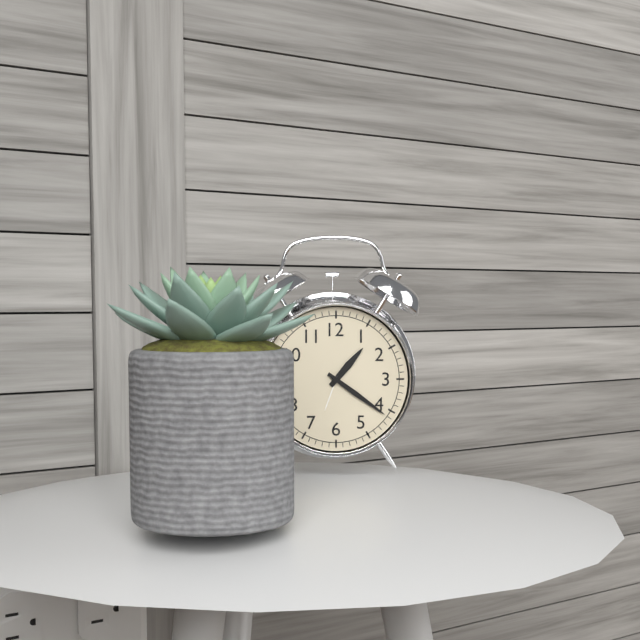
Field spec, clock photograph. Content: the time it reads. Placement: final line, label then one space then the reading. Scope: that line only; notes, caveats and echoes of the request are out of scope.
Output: 1:21
